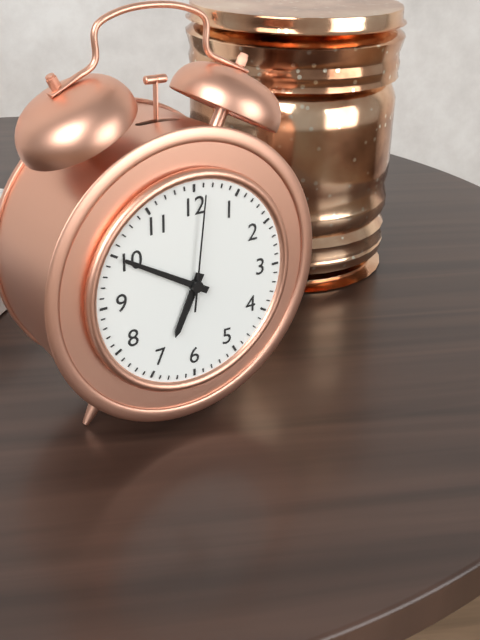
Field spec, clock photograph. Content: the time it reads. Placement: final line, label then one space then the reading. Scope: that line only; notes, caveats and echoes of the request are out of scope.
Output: 6:50:01
